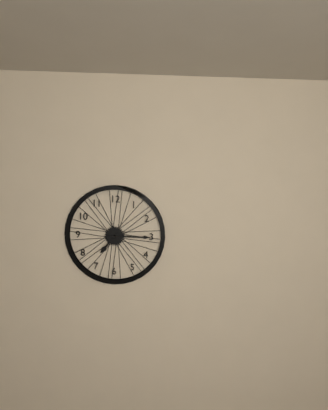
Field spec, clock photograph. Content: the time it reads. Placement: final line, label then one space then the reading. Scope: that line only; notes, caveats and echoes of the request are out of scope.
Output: 7:15
